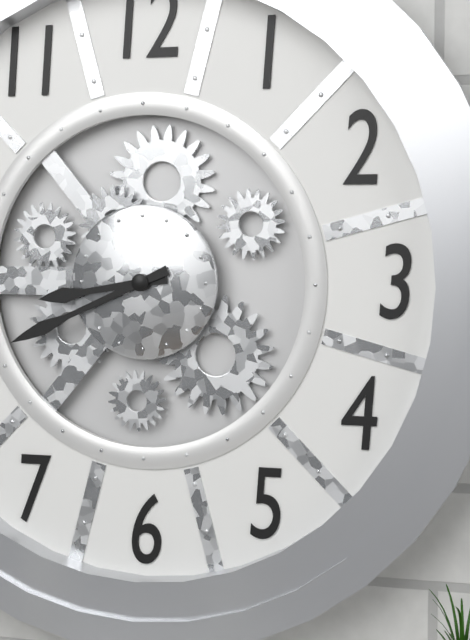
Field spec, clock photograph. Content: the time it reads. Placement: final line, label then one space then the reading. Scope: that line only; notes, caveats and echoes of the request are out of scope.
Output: 8:41
